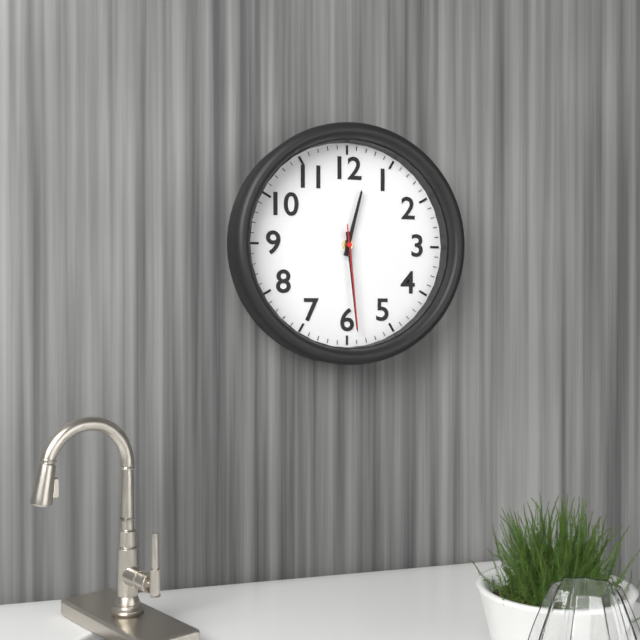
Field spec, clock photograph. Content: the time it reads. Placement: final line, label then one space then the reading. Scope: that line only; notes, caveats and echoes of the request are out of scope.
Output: 12:29:29
